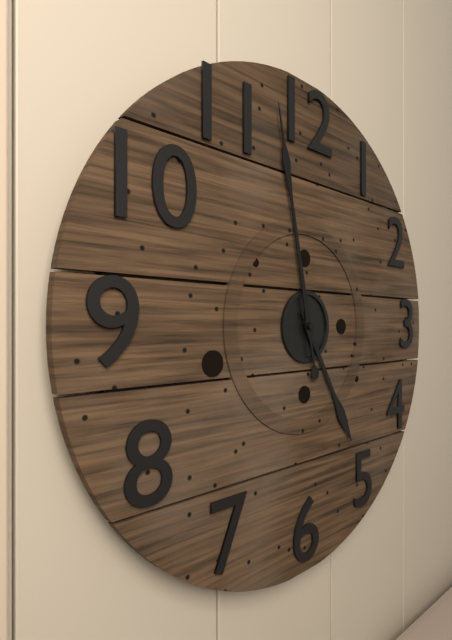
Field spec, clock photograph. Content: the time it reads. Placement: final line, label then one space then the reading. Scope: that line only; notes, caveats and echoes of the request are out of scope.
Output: 4:58
